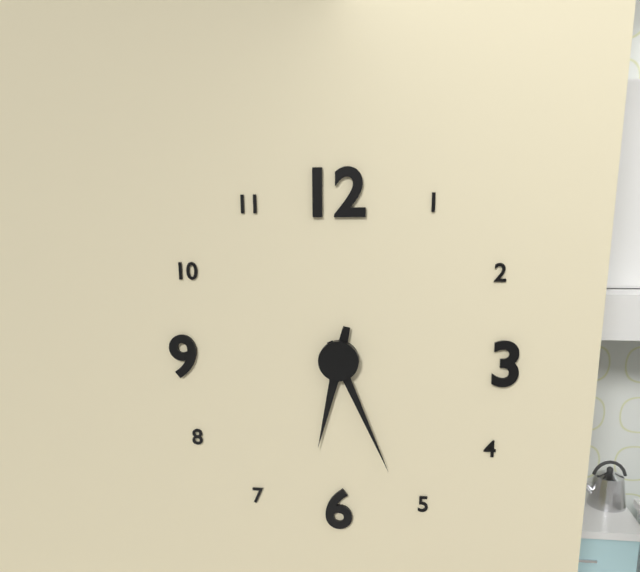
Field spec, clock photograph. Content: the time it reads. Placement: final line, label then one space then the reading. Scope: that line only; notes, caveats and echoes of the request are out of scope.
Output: 6:26
